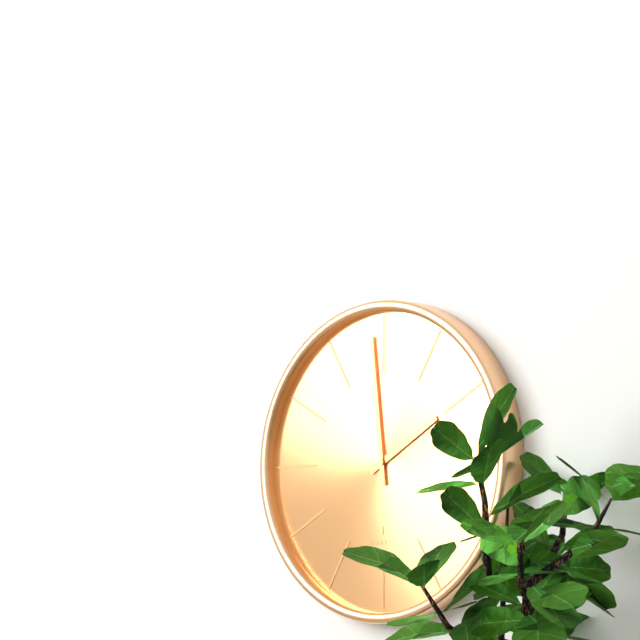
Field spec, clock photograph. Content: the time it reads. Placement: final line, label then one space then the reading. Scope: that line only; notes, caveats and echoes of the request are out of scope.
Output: 1:59
